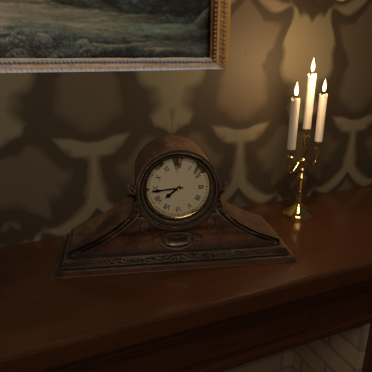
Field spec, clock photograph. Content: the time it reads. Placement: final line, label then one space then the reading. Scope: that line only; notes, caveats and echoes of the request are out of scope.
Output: 7:44
